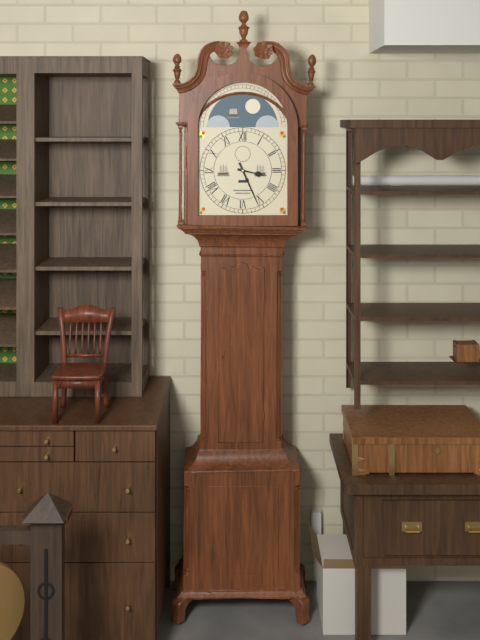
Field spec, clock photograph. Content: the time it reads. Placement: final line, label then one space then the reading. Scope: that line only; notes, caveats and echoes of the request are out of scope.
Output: 3:26
